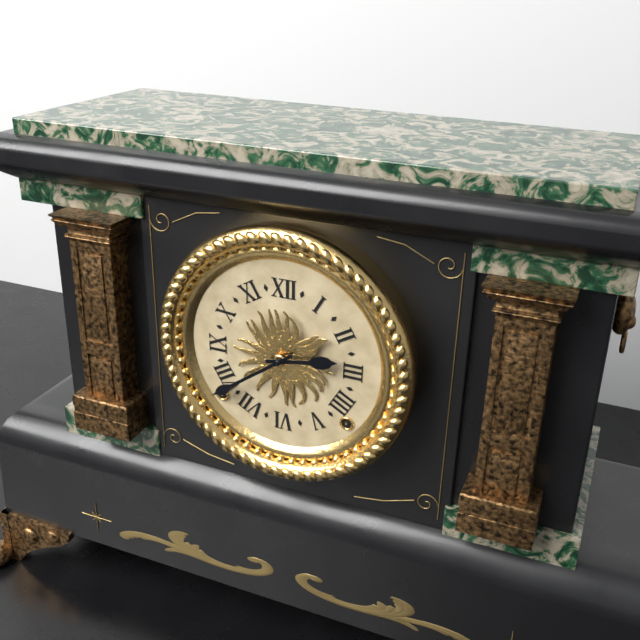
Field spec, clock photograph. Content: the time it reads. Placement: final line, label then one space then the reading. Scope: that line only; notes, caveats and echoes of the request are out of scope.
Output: 2:39
